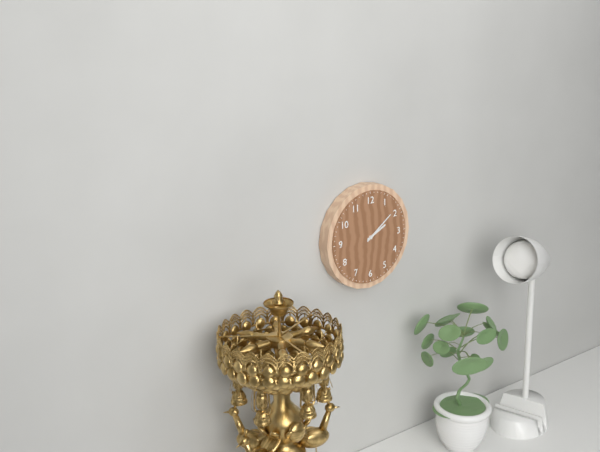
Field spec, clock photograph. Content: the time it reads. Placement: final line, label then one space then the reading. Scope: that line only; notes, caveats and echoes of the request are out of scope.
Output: 2:09
